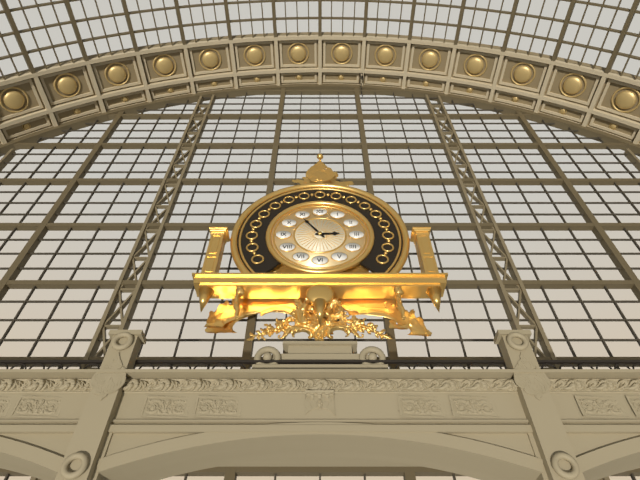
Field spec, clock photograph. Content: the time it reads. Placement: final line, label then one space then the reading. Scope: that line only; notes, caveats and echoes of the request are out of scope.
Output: 2:54
